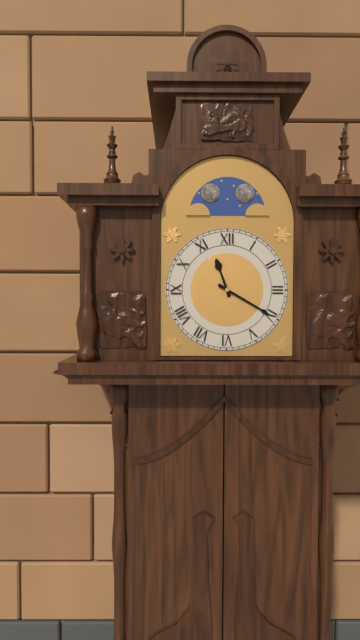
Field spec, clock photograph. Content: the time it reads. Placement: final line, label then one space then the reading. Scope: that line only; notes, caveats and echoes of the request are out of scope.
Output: 11:20
